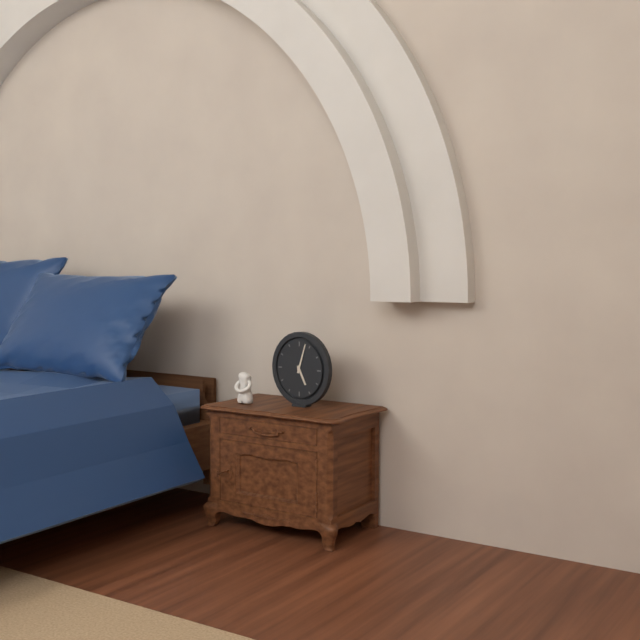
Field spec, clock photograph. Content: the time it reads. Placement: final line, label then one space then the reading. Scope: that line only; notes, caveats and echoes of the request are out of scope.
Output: 5:03
